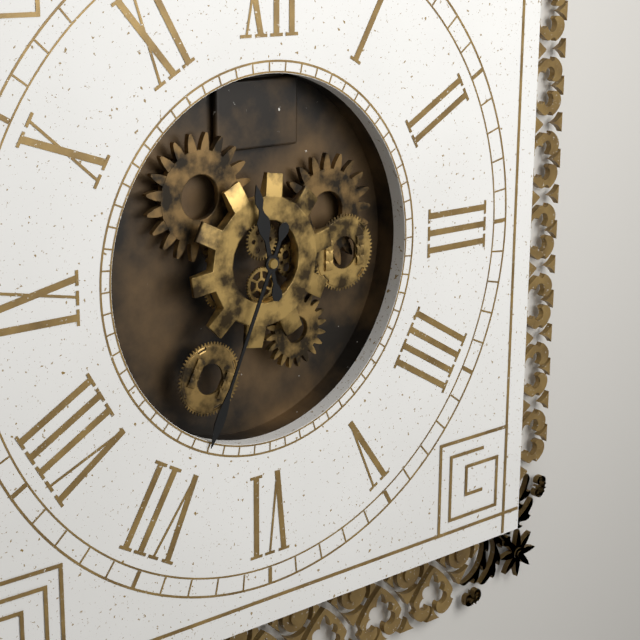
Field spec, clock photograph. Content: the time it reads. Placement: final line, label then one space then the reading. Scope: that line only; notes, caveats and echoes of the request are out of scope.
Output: 11:34
